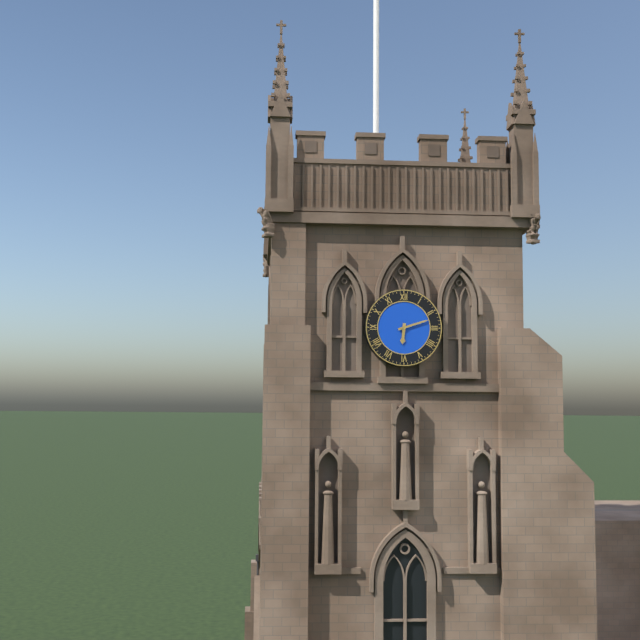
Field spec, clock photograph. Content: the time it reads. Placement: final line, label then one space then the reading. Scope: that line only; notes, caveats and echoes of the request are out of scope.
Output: 6:12
